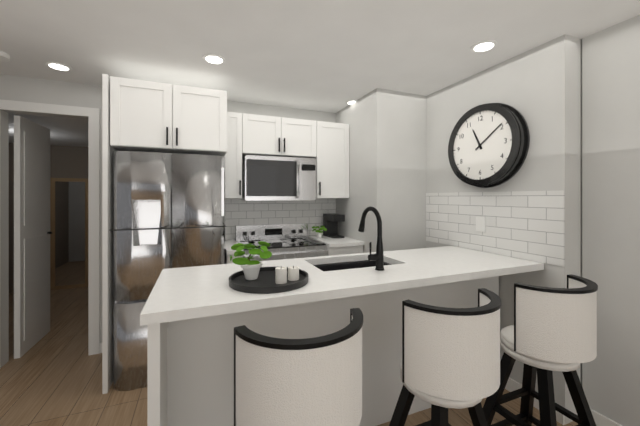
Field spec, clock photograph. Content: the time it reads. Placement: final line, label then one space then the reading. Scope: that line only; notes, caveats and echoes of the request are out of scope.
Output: 11:09
